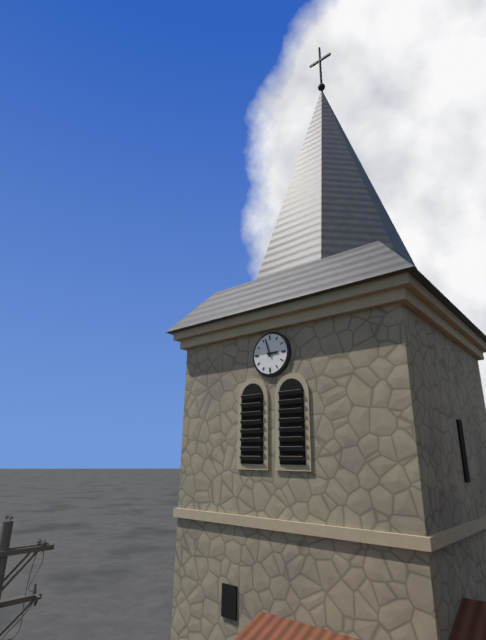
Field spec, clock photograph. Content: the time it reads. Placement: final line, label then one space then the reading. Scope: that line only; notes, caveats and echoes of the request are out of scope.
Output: 2:57
